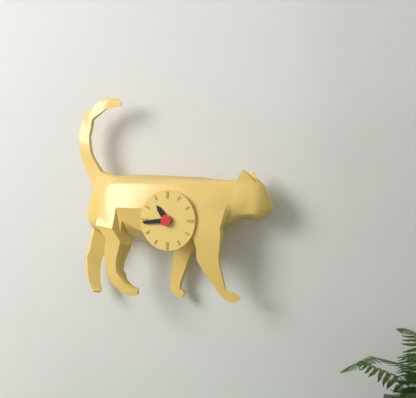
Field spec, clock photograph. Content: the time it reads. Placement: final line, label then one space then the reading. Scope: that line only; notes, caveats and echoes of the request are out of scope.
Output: 10:44
